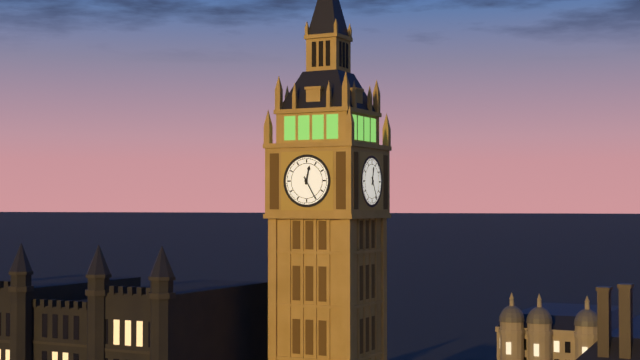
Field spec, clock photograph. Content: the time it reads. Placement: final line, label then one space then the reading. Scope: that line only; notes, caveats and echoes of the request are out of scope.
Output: 12:25
